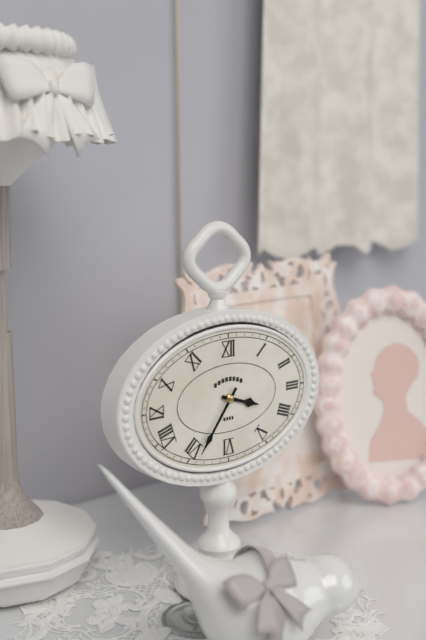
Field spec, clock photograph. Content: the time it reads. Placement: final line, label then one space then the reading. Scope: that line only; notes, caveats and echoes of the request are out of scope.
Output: 3:36
